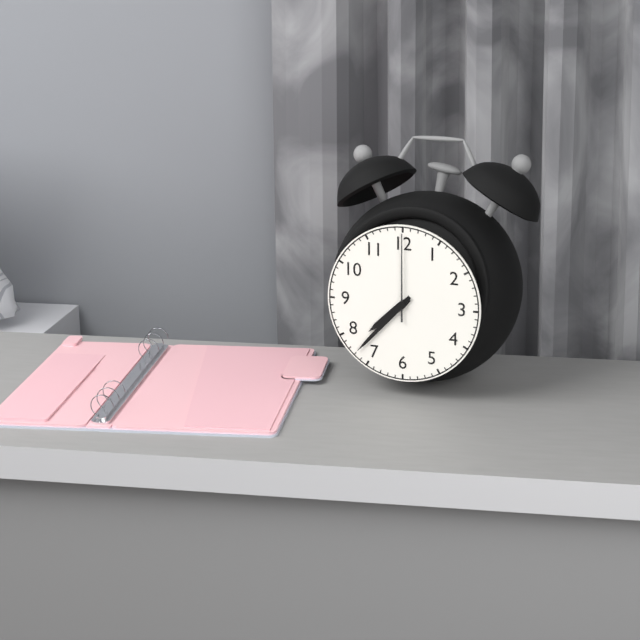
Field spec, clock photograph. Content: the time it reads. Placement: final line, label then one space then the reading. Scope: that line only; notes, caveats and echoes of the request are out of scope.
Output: 7:37:00
